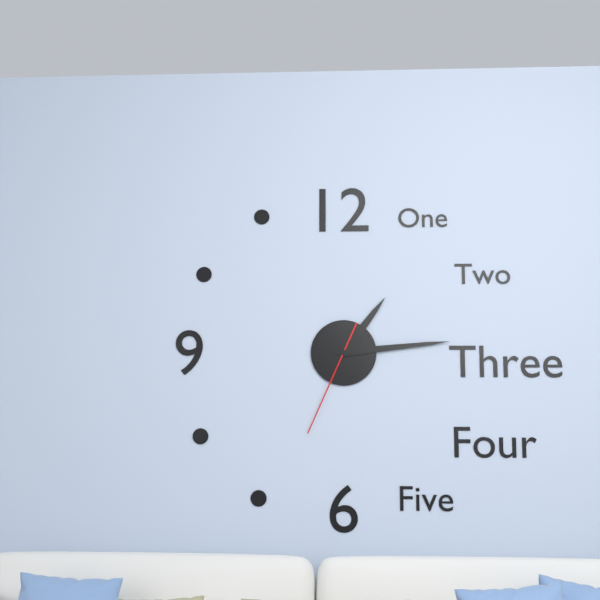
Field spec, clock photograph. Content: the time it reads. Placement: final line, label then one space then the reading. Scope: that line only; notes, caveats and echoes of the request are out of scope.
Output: 1:14:34
